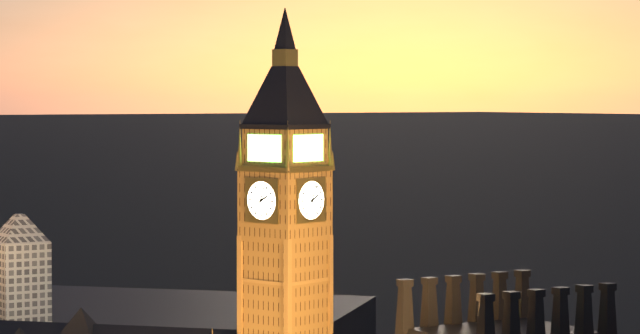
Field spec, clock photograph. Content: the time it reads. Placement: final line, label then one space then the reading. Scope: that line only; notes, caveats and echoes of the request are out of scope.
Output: 2:03
